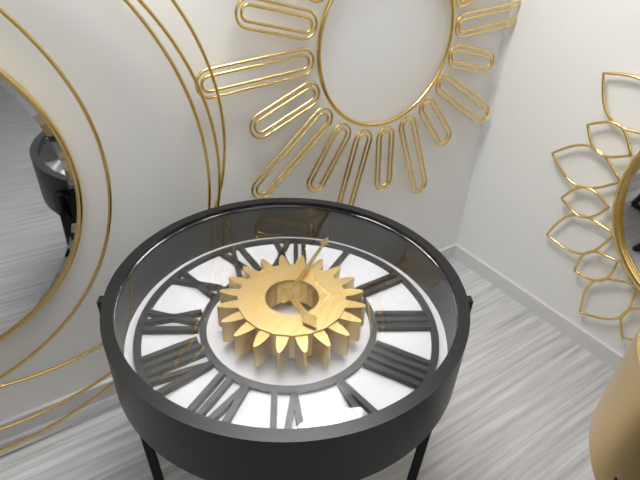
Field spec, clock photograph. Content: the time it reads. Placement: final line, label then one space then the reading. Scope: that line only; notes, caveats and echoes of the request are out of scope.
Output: 5:04
